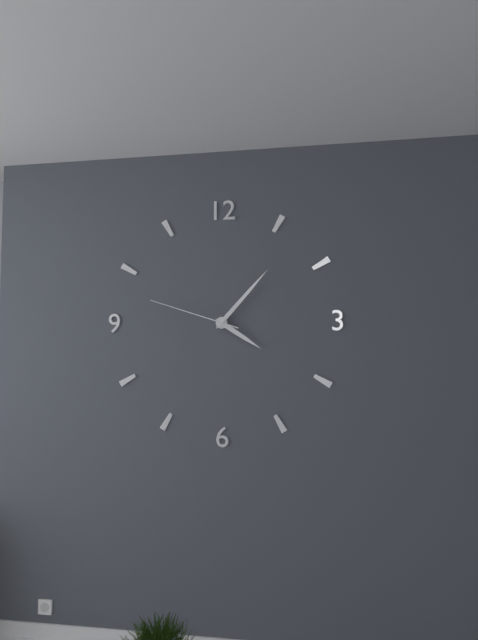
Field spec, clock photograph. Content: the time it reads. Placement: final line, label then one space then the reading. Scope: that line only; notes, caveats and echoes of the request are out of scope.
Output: 4:07:48
